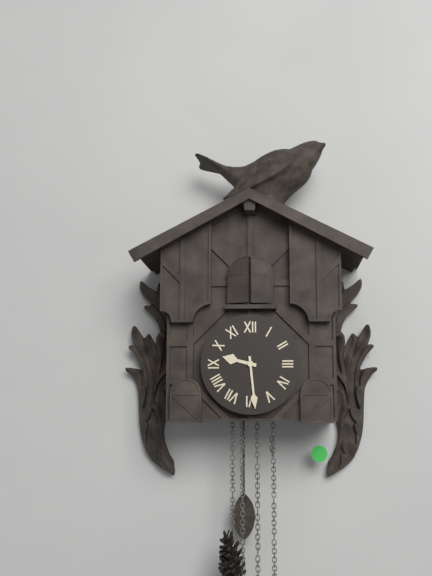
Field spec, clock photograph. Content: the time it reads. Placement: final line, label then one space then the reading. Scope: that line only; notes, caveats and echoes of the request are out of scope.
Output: 9:29
